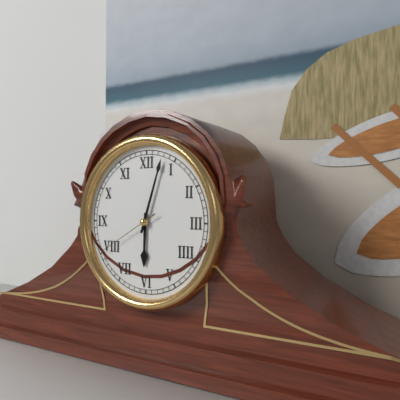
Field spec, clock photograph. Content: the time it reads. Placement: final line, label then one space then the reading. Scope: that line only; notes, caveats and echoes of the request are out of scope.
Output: 6:03:40
